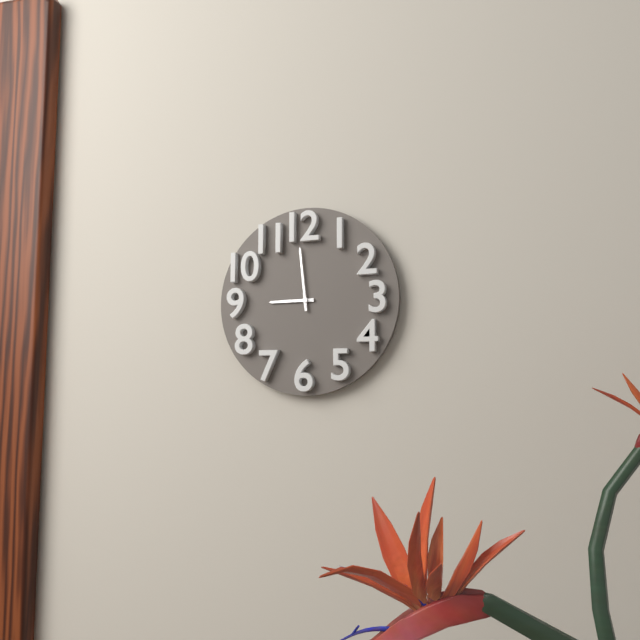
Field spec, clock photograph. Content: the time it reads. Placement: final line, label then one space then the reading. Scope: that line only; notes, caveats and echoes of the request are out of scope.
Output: 8:59
